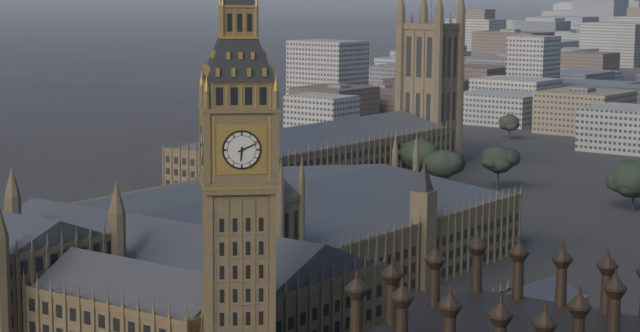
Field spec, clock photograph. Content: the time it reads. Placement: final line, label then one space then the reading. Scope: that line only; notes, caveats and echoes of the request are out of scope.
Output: 6:11
